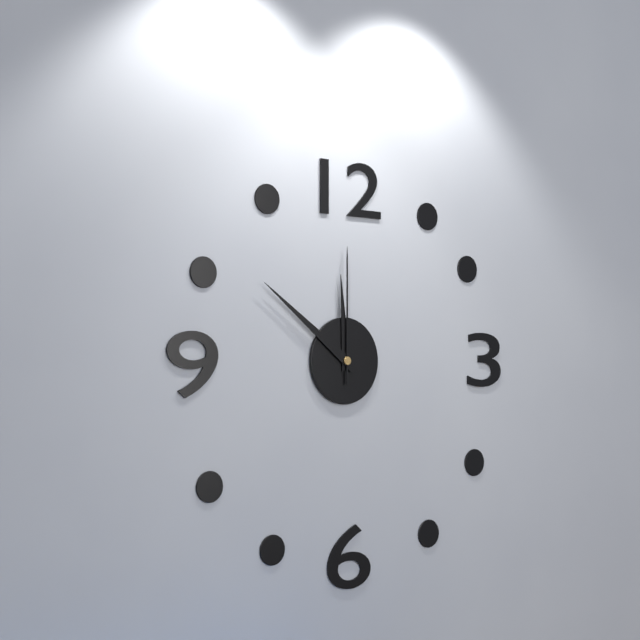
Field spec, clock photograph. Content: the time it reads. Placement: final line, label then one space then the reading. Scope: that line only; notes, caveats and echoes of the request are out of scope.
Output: 11:51:00
